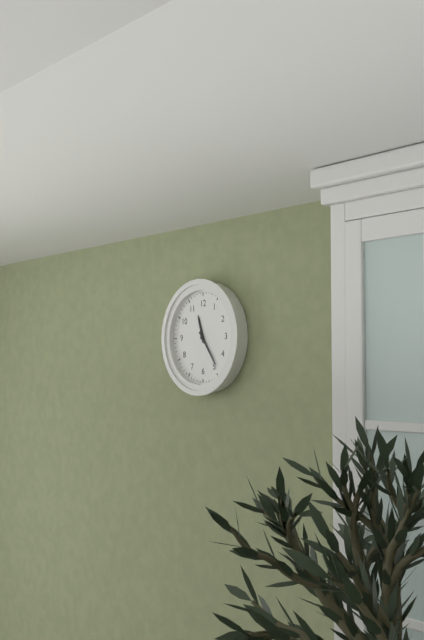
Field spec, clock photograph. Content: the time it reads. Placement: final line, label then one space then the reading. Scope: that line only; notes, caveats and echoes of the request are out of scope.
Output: 11:24
